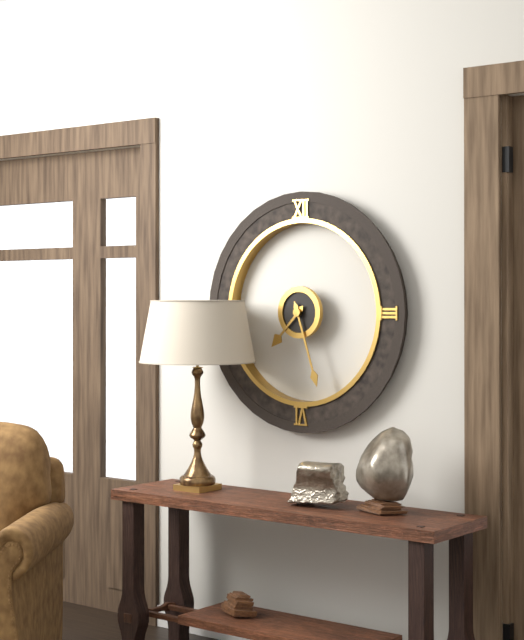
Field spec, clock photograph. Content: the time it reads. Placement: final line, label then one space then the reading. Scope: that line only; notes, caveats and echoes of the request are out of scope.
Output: 7:27
